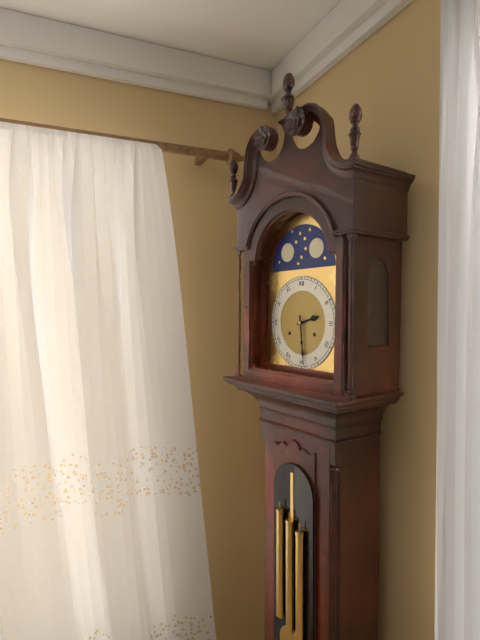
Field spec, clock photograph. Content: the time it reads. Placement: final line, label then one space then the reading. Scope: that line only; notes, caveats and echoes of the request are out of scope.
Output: 2:29
